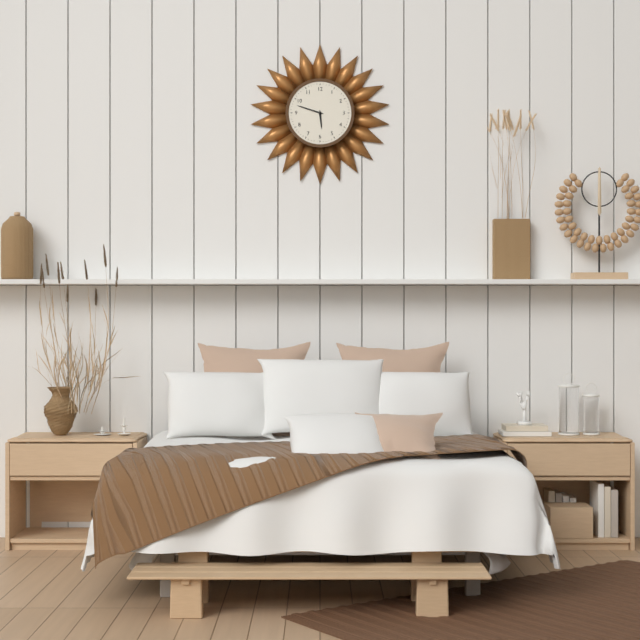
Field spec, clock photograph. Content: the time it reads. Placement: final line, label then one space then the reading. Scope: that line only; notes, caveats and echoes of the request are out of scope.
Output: 5:48
